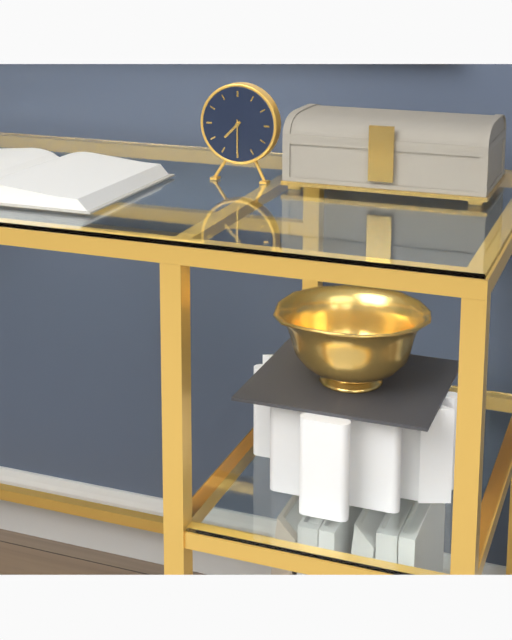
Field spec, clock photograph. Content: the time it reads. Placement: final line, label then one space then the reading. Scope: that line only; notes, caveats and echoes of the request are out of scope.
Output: 7:30
